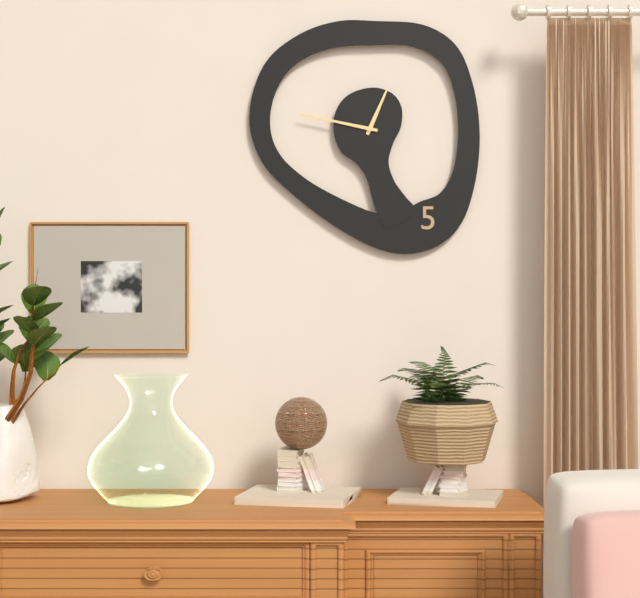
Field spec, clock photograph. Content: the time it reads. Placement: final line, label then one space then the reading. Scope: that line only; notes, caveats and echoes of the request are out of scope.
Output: 12:47
